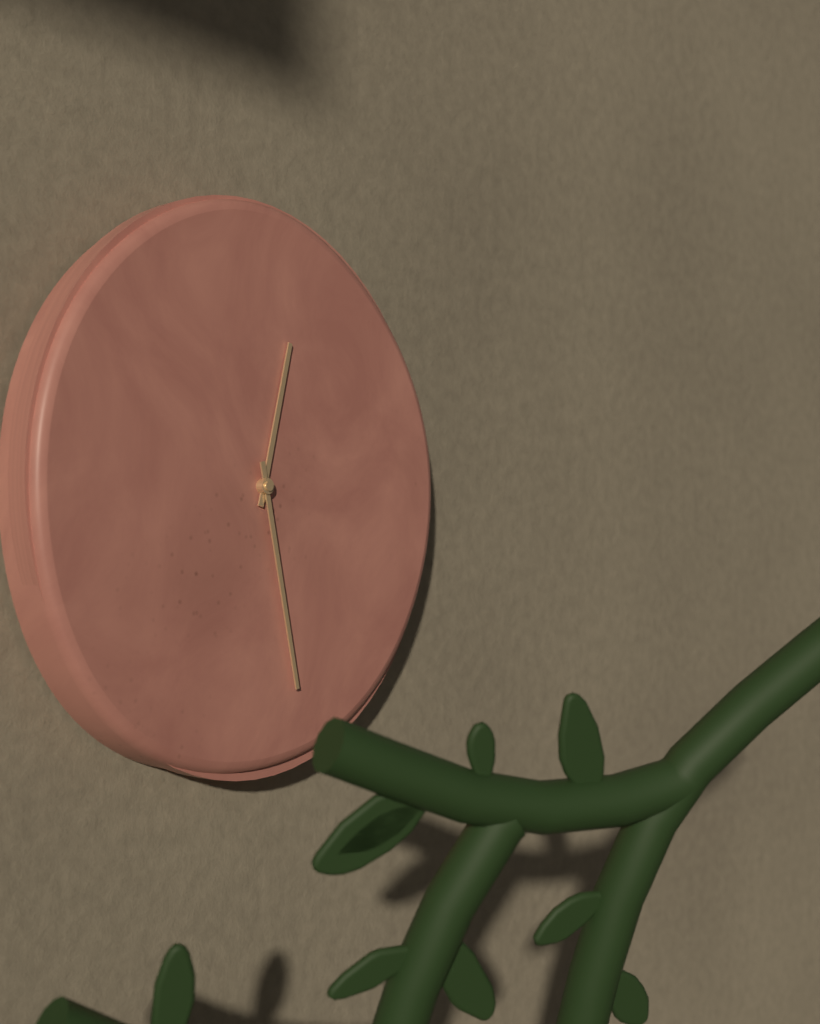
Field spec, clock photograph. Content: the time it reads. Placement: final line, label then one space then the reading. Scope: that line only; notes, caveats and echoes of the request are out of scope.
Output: 12:28
